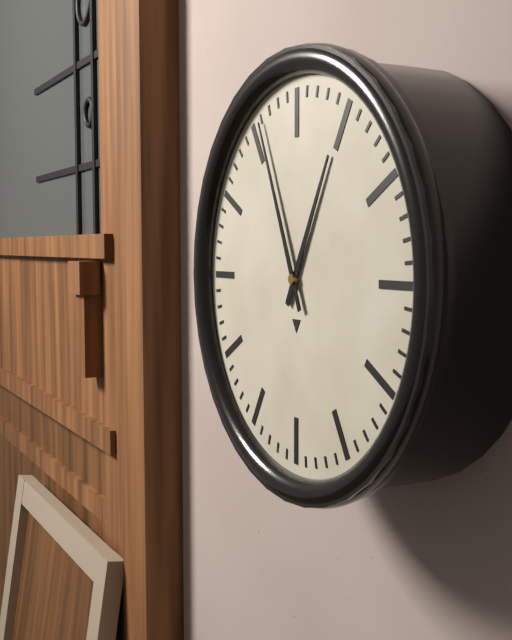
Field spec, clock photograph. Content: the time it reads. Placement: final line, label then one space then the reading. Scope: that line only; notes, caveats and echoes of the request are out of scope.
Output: 12:56
